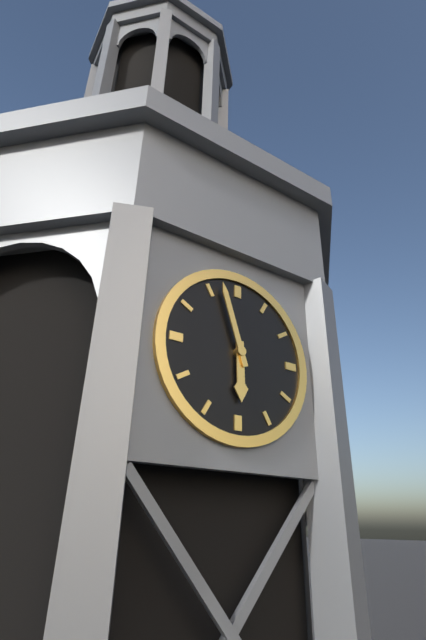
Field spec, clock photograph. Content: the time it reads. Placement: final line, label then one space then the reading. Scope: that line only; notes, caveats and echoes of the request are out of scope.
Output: 5:57
